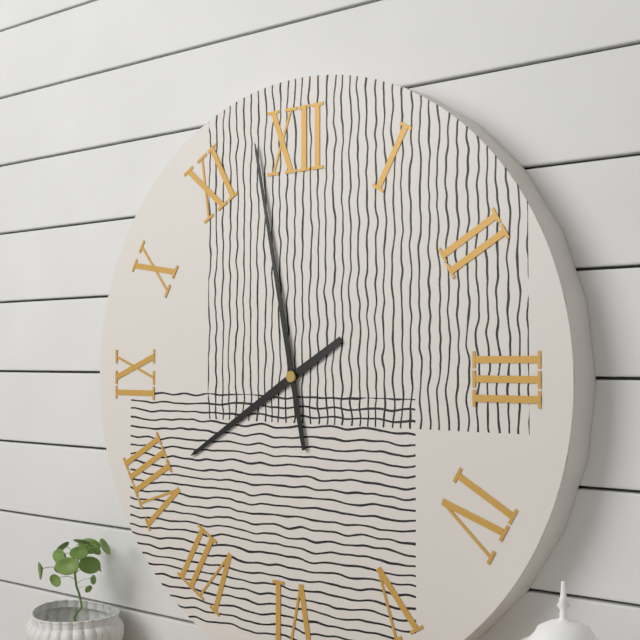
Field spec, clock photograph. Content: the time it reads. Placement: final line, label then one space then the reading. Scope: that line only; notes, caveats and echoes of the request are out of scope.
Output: 7:58
